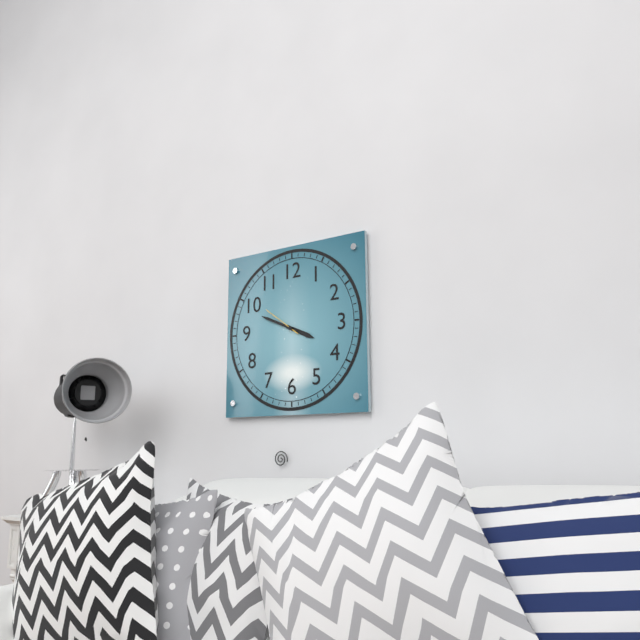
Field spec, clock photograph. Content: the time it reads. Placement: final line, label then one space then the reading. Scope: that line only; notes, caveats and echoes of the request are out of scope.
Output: 3:49
